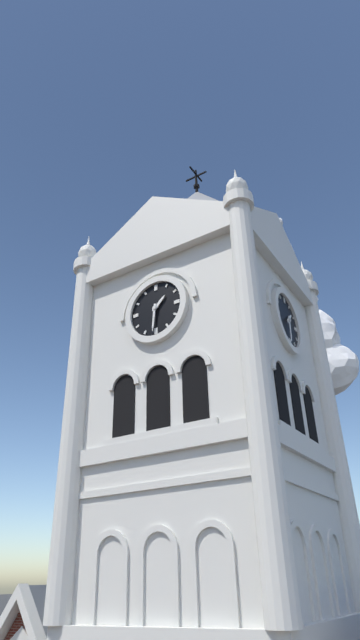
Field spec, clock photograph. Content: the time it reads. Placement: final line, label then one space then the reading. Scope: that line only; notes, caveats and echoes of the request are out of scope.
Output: 1:31
